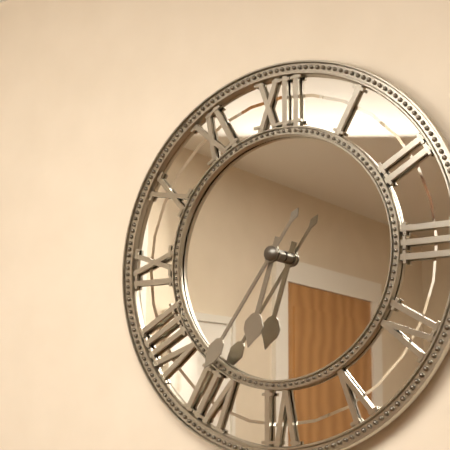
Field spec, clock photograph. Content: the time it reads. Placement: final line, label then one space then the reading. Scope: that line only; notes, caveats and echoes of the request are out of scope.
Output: 6:36
